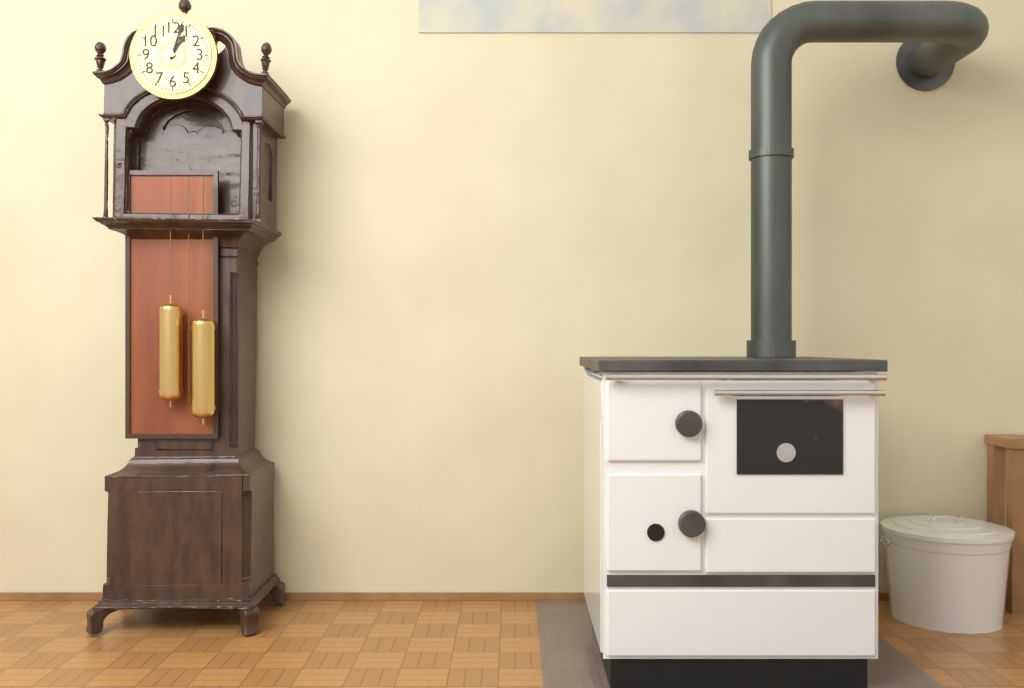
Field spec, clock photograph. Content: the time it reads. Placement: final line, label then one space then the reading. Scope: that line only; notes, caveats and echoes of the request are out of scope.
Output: 1:03
